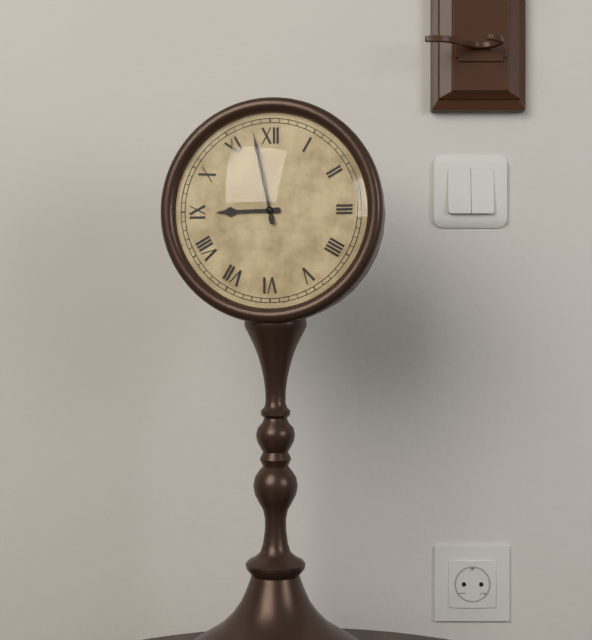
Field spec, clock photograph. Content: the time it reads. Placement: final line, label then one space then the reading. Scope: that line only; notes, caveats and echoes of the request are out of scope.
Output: 8:58
